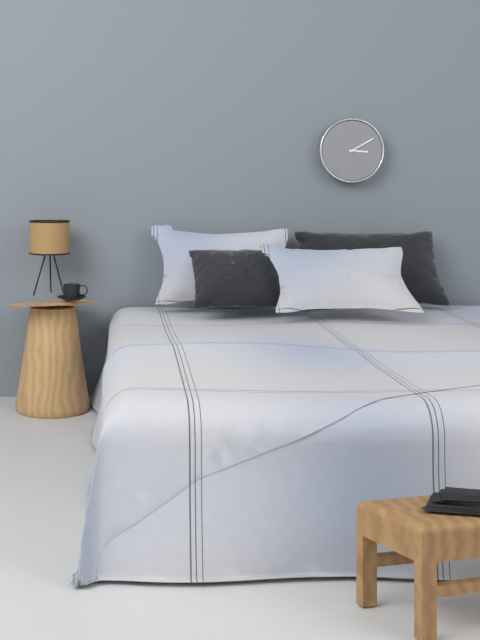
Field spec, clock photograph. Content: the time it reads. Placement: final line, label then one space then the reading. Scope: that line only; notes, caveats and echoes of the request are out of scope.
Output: 3:10
